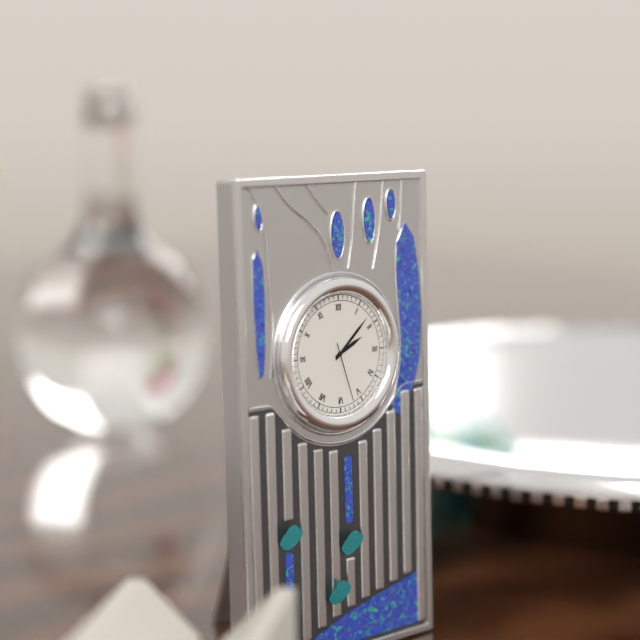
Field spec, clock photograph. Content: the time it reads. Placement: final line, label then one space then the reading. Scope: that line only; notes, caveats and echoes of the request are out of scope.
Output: 2:08:27
